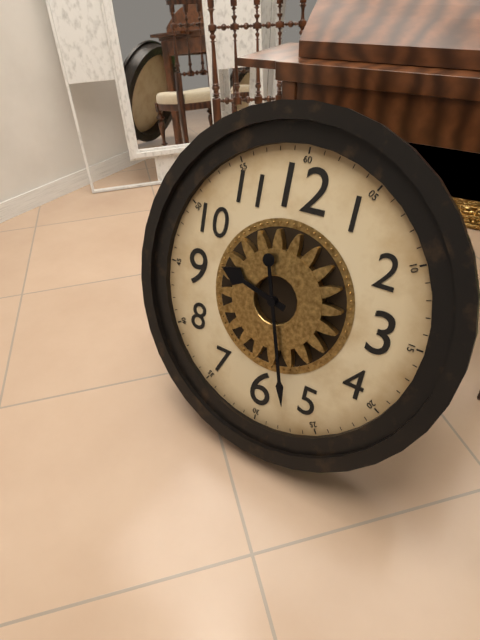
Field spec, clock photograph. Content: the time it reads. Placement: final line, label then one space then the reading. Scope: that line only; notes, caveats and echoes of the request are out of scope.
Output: 9:27
